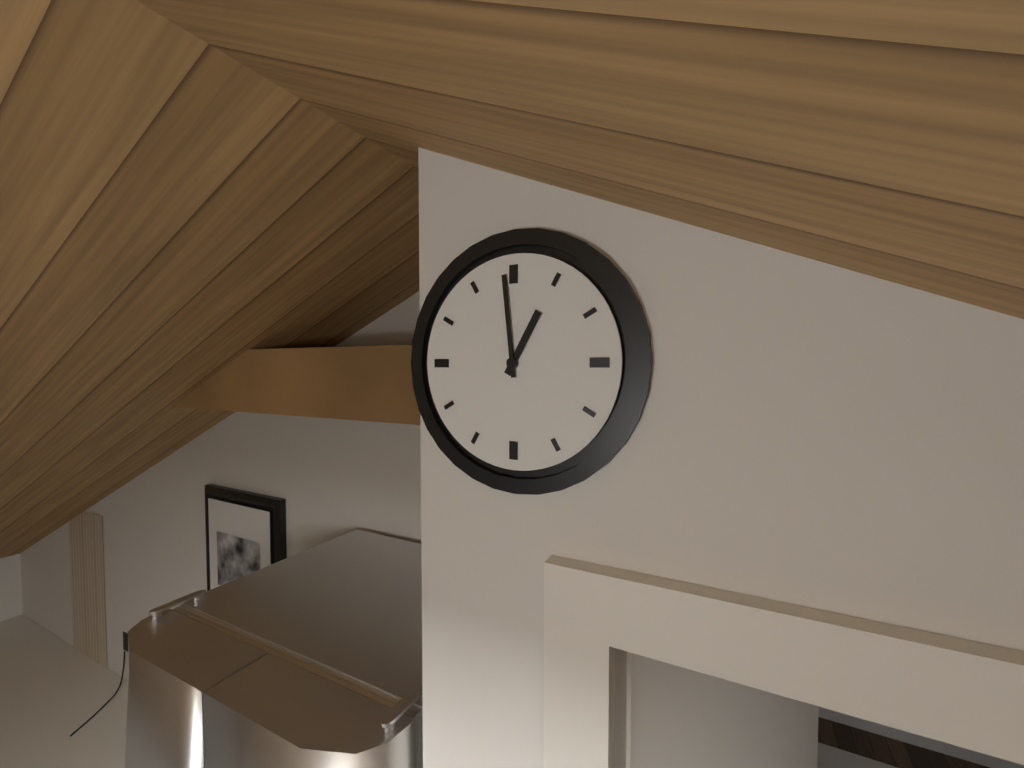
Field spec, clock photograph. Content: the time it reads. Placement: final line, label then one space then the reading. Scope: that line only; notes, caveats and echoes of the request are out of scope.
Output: 12:59
